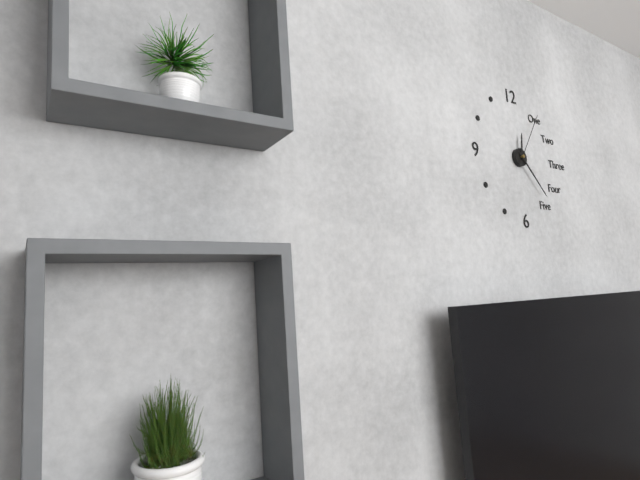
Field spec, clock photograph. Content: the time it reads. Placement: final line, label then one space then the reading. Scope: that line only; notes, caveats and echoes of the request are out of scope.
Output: 12:23:06
